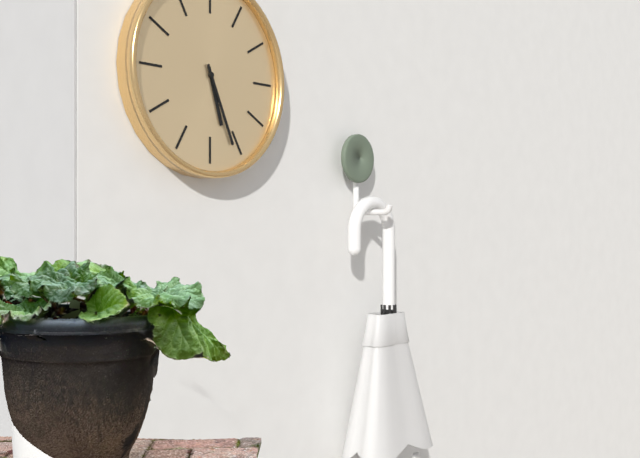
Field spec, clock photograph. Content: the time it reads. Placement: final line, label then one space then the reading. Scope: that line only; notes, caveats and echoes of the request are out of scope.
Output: 5:26
